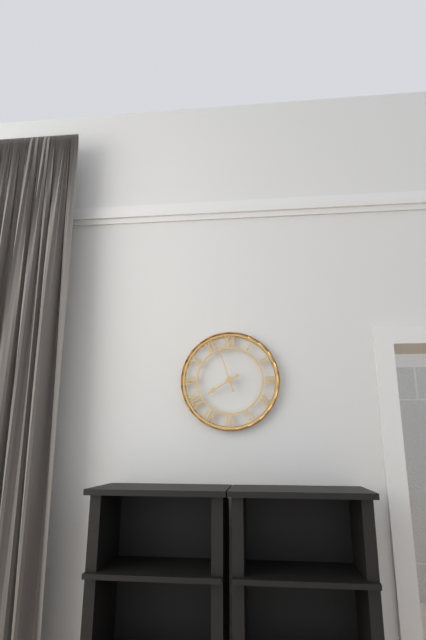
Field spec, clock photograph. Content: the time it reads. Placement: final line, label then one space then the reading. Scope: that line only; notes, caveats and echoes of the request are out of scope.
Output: 7:57
